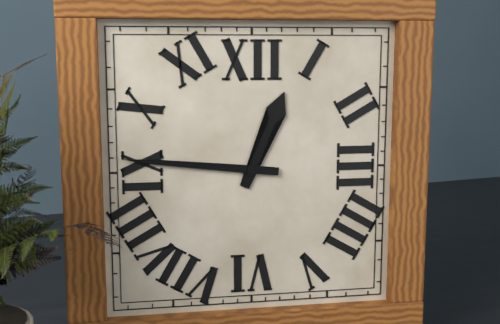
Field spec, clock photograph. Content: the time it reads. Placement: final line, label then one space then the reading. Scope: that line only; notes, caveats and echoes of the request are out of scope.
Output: 12:46
